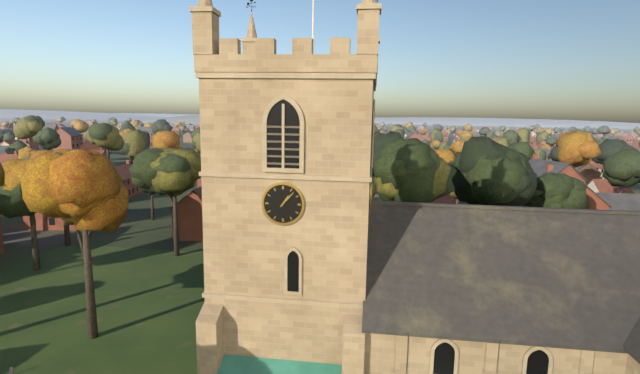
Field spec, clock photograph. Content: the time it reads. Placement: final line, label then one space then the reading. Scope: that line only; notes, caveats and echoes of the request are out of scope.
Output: 1:07
